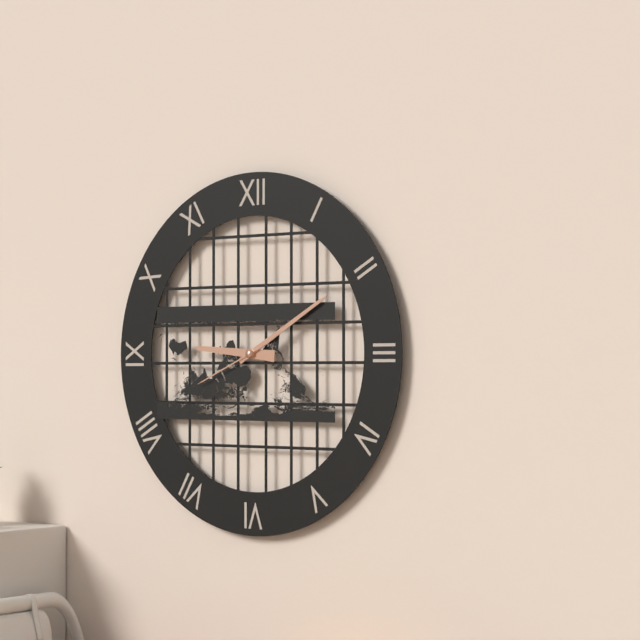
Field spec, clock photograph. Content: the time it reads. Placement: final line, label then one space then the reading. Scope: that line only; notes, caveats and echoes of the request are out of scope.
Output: 9:10:41
